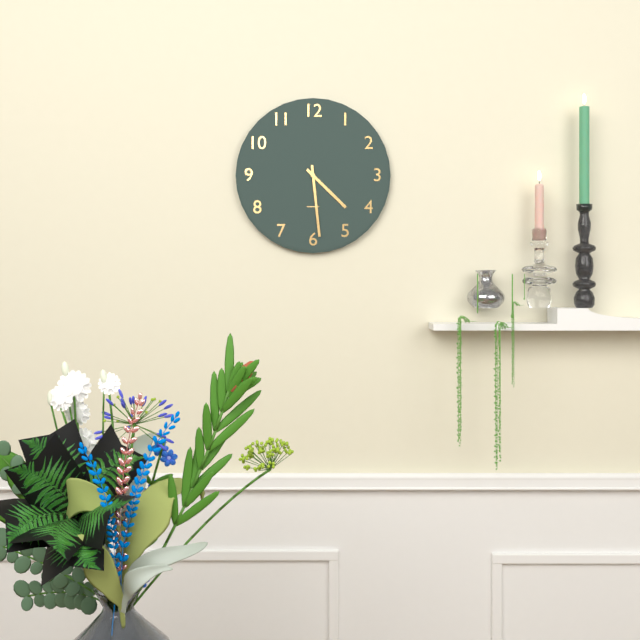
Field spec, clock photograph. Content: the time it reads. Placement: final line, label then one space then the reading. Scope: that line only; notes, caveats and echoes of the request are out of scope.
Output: 4:29
